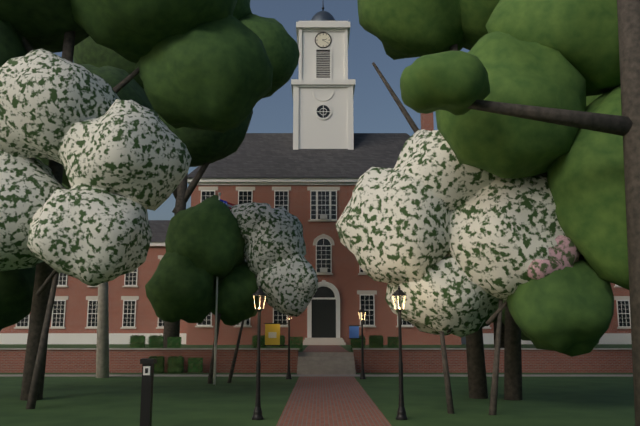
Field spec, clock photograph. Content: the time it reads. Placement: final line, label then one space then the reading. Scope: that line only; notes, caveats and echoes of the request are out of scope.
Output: 2:21
